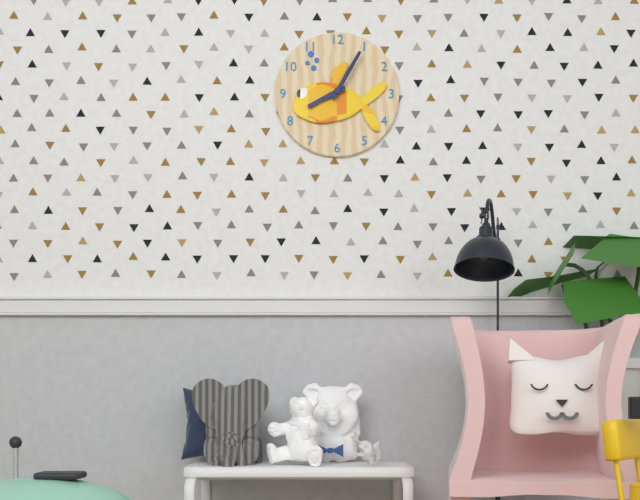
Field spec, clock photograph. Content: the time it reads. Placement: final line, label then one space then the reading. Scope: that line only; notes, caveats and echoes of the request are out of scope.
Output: 8:05
